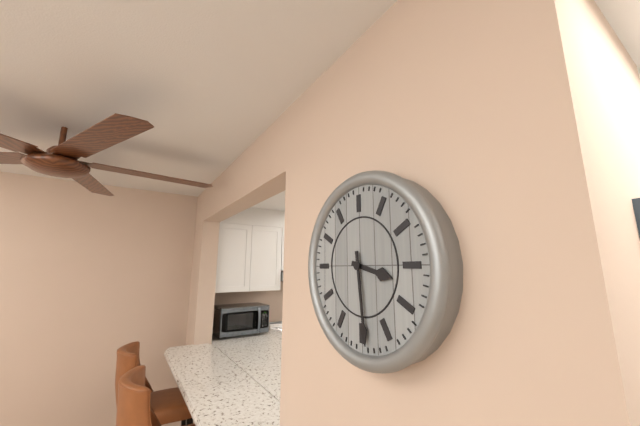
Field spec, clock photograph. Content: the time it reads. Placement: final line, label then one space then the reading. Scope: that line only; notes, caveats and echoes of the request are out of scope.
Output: 3:29
